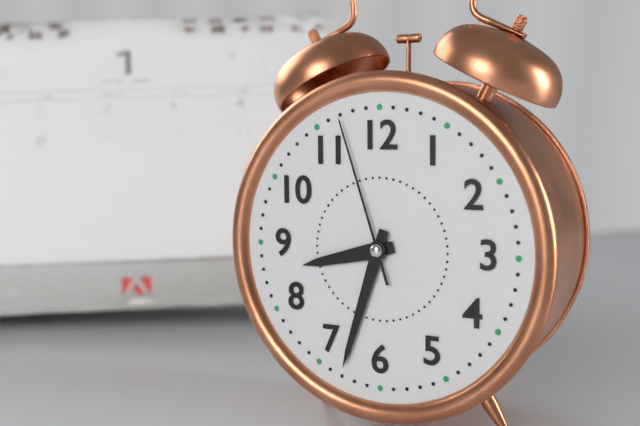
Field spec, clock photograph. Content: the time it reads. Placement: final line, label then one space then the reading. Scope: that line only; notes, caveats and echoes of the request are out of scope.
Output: 8:33:57
